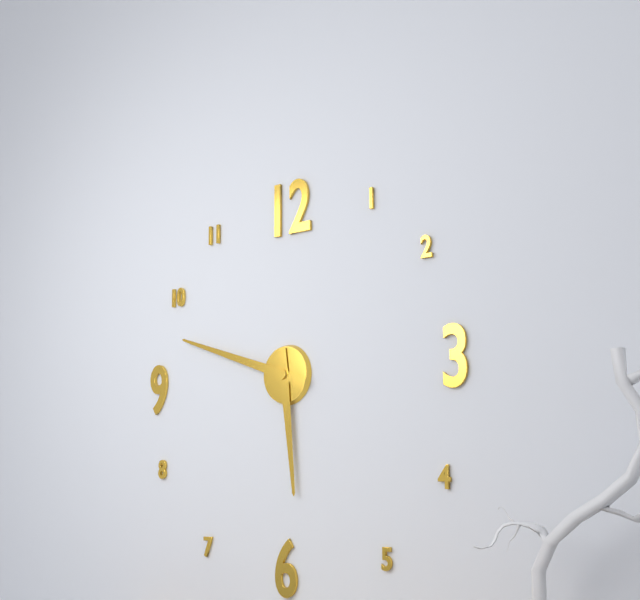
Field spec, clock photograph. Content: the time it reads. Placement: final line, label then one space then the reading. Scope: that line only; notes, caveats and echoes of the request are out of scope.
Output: 5:48
